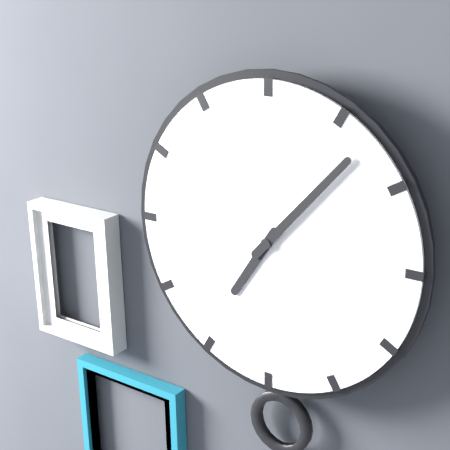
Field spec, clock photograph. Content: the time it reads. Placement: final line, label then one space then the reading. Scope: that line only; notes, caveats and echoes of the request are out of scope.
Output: 7:07
